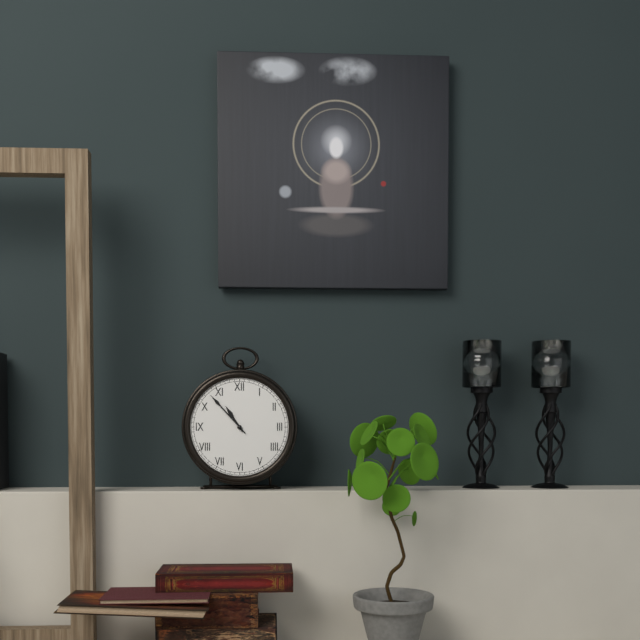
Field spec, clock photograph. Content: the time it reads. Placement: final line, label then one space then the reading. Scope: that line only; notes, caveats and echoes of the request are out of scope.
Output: 10:53
